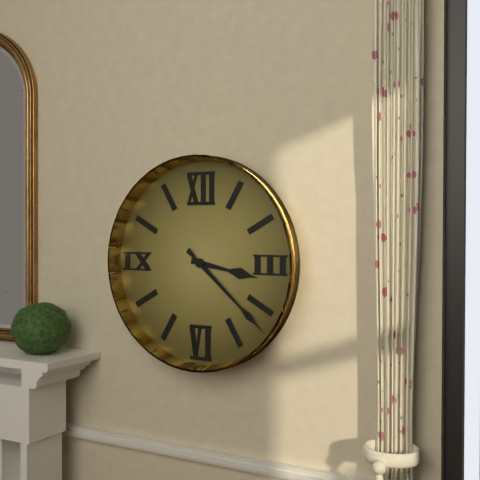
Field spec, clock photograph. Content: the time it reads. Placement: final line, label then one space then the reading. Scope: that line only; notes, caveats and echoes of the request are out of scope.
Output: 3:22
